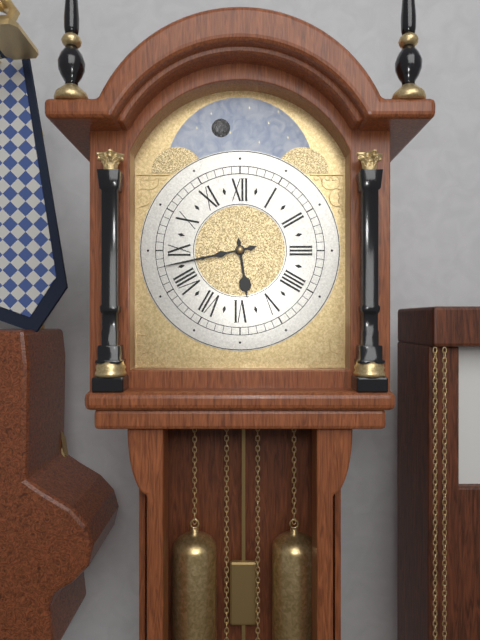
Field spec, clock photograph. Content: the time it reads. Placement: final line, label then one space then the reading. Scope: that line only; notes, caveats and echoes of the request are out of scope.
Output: 5:43
